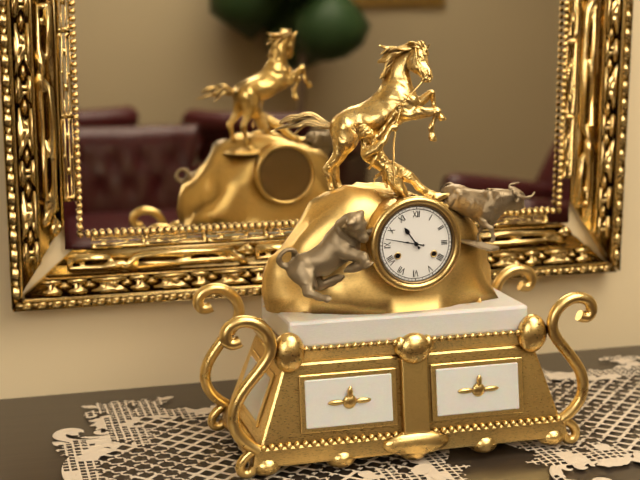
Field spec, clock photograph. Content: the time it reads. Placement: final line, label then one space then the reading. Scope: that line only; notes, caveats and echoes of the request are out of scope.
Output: 10:47
